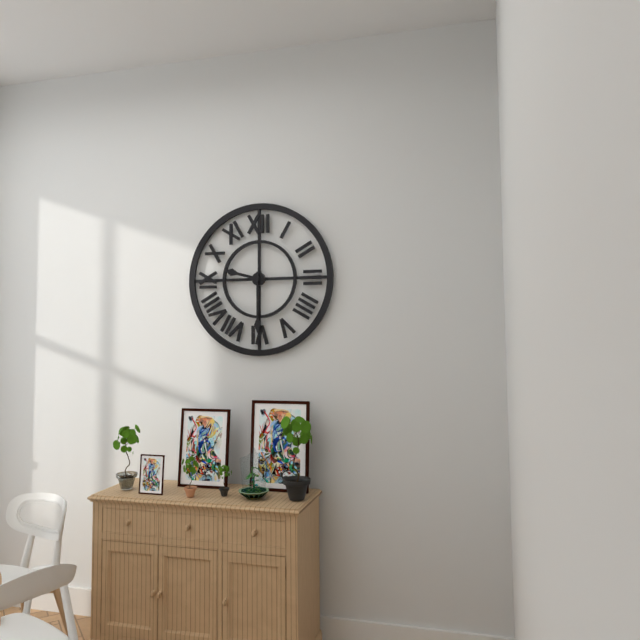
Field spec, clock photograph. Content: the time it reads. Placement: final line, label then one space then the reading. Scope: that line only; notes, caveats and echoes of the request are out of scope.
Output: 9:30
